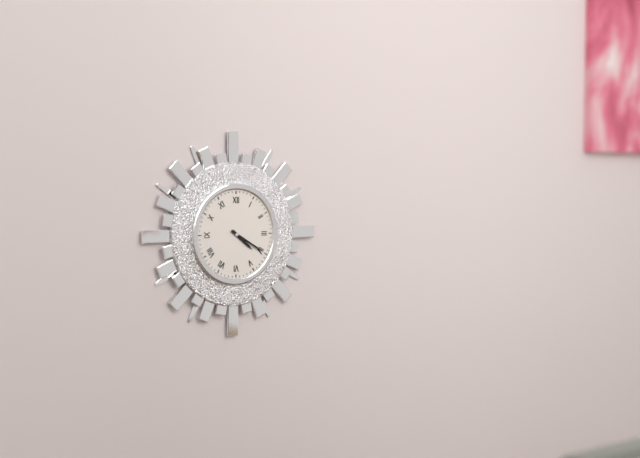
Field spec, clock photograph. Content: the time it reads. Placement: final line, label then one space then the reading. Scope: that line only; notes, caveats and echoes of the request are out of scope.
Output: 4:20
